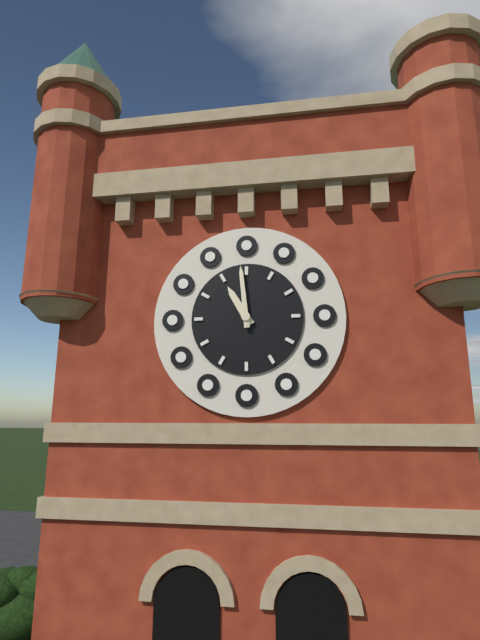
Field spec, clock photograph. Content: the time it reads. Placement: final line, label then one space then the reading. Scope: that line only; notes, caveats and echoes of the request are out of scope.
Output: 10:59
